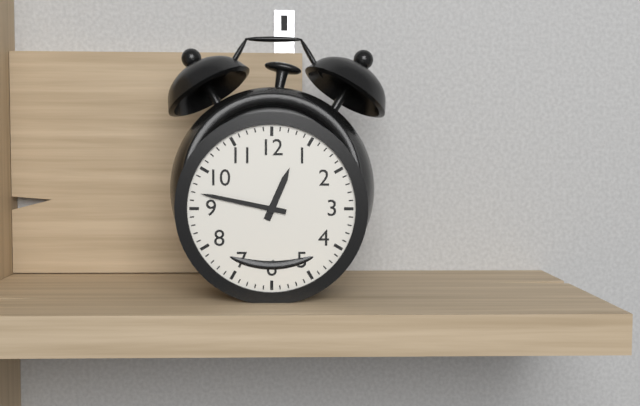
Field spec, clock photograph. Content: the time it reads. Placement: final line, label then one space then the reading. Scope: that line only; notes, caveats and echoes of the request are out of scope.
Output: 12:47
